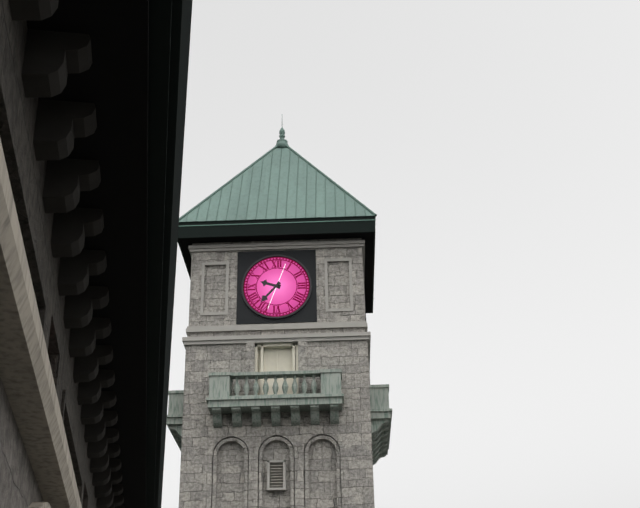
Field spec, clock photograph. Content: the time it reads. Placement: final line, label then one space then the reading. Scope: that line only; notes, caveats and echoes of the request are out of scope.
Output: 9:37
